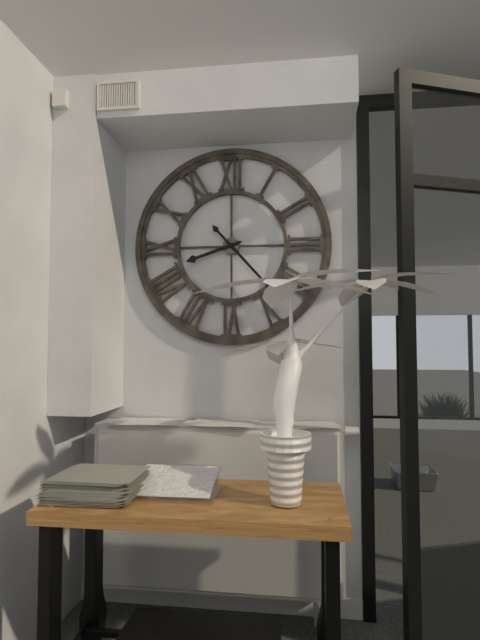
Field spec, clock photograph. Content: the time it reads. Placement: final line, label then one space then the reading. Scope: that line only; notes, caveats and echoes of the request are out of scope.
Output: 8:23
